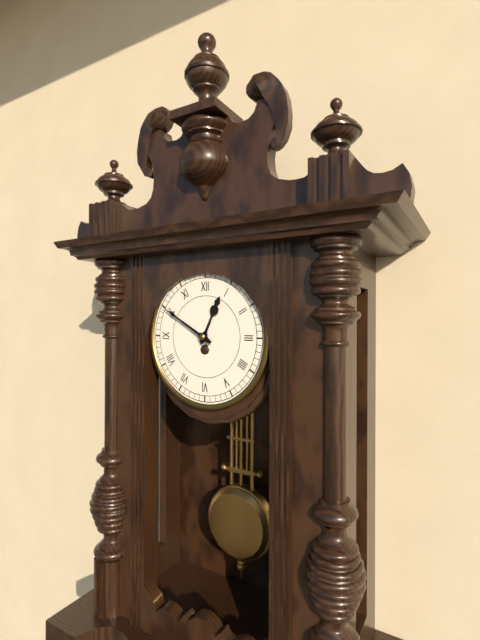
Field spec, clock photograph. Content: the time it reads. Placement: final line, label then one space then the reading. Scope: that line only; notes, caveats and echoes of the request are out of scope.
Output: 12:50
